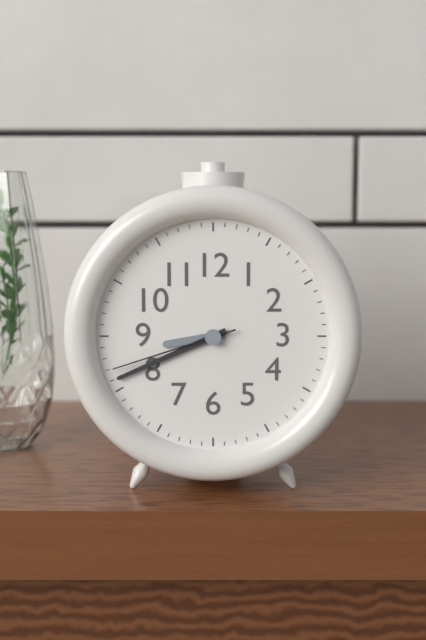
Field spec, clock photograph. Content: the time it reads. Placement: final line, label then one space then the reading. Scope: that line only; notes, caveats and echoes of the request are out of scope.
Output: 8:41:42
